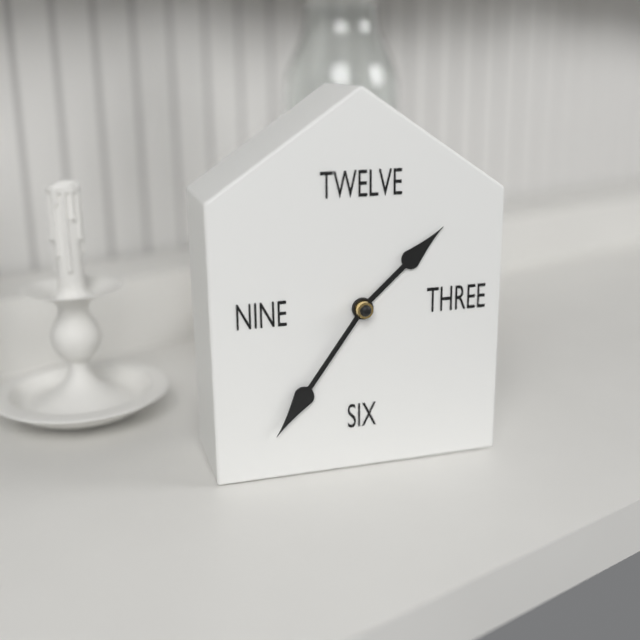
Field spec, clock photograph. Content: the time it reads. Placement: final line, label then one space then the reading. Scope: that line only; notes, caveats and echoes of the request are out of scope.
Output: 1:36
